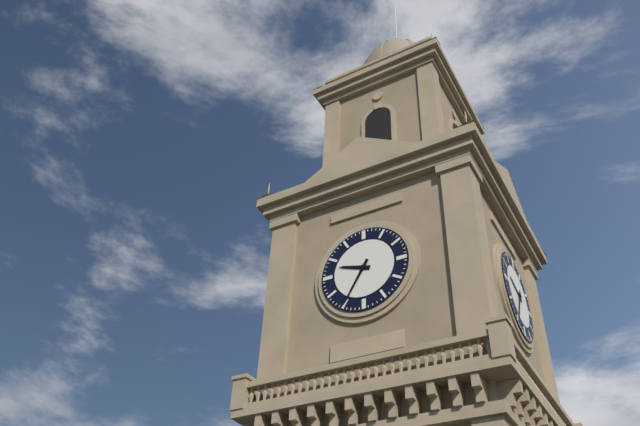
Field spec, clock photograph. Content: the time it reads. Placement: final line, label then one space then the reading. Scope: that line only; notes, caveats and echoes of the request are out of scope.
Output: 9:35
